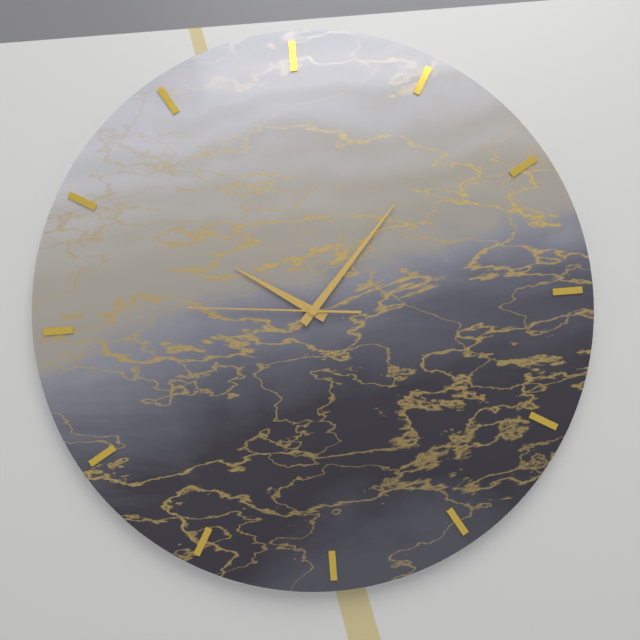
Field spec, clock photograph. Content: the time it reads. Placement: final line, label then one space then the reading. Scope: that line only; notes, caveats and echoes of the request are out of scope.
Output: 10:07:46
